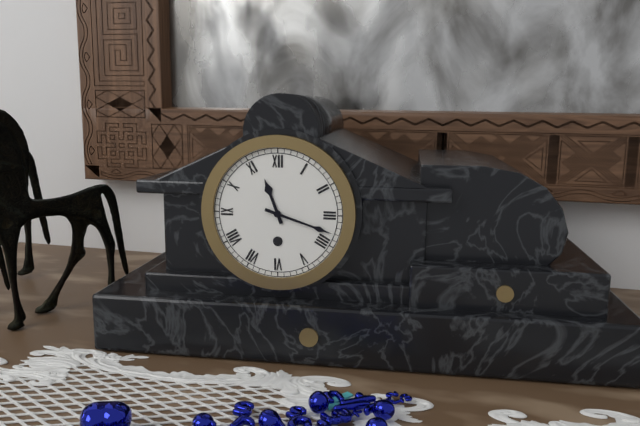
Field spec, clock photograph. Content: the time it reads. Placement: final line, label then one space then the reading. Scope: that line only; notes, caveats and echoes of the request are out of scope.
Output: 11:18
